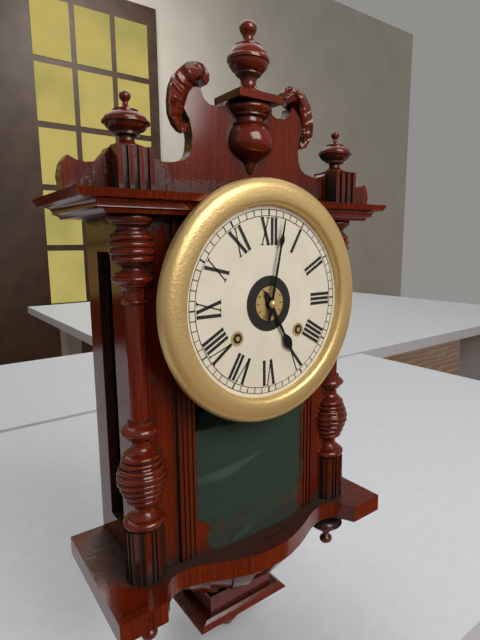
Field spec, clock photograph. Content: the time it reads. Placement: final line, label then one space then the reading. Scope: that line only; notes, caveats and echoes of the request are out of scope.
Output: 5:02
